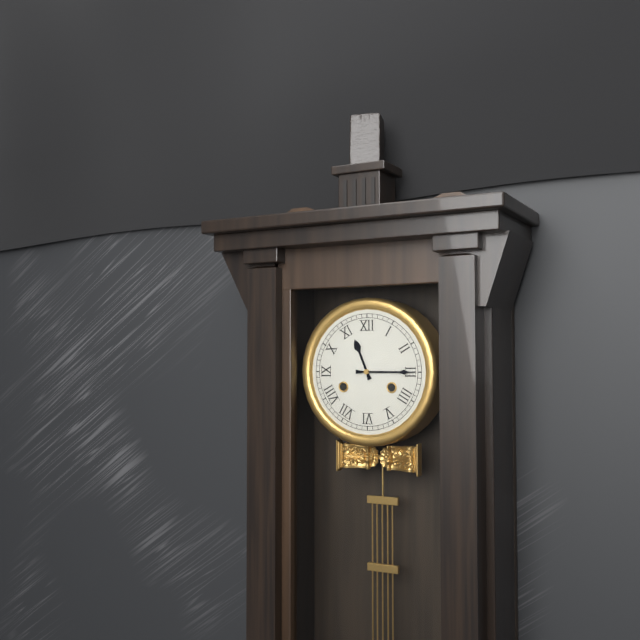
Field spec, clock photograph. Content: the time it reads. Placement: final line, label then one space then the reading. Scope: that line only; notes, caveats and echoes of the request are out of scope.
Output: 11:15
